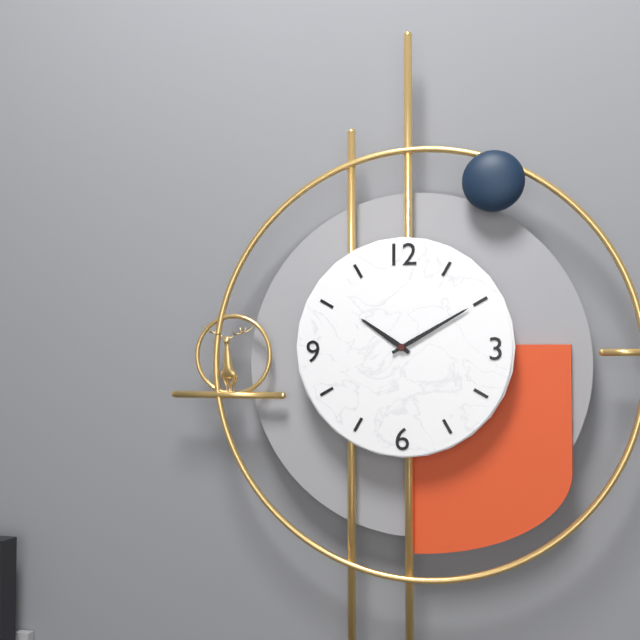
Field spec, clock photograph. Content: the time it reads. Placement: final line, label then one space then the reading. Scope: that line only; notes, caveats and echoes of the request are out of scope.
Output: 10:10
